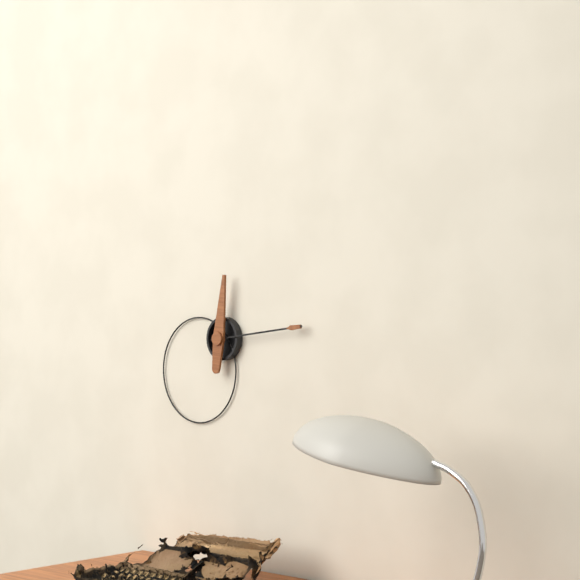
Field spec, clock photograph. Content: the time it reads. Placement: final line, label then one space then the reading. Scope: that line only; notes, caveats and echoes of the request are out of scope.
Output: 12:14
